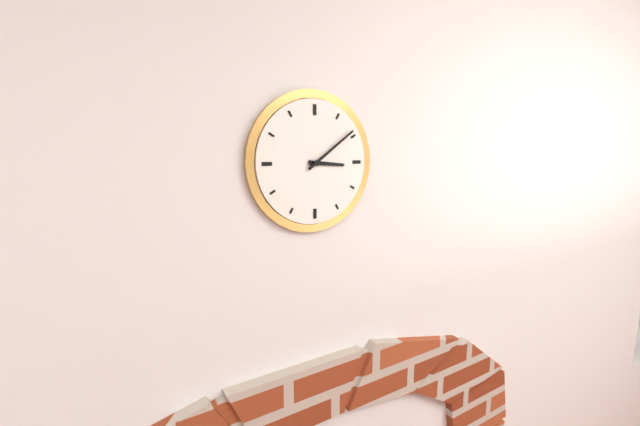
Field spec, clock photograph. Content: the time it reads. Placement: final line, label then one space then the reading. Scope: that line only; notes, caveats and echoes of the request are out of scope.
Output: 3:09
